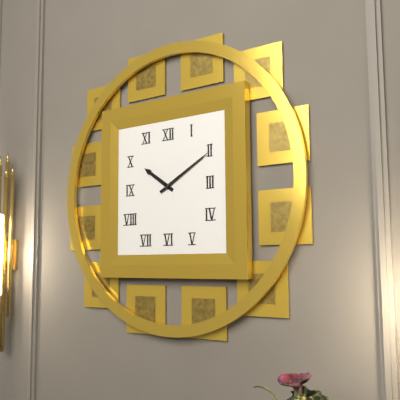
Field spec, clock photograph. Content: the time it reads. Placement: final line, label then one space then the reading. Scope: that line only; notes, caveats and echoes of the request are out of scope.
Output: 10:10
